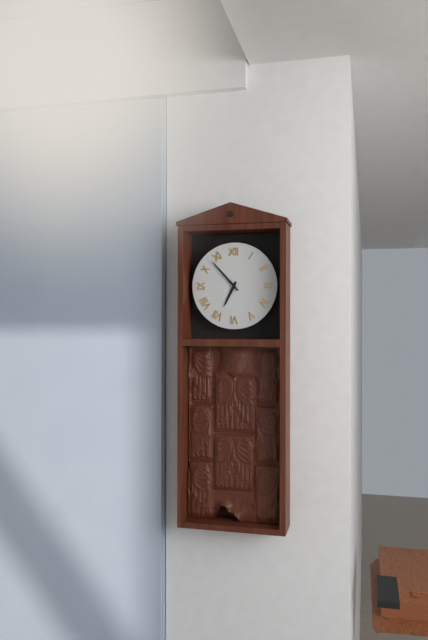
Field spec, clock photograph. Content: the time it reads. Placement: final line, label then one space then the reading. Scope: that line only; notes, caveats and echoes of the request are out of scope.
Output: 6:53
